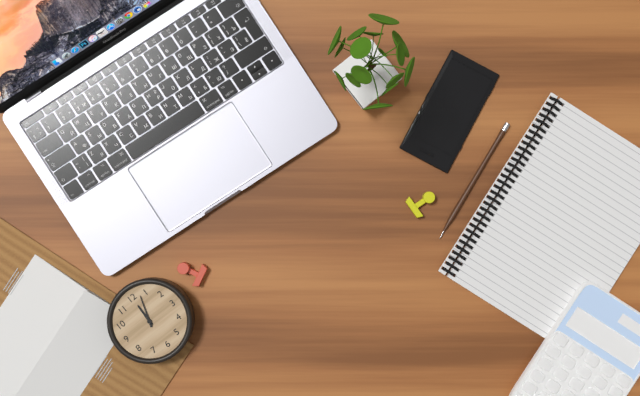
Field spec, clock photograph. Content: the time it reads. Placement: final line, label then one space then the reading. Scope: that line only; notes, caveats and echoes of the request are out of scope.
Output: 12:03
